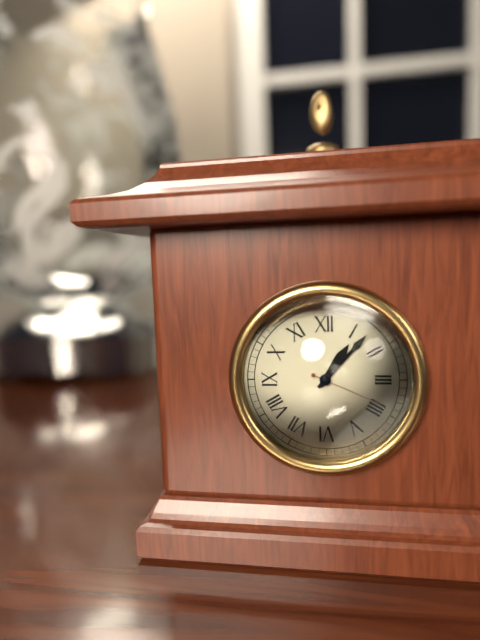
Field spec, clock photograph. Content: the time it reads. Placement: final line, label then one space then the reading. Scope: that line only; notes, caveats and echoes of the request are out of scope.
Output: 1:07:19
